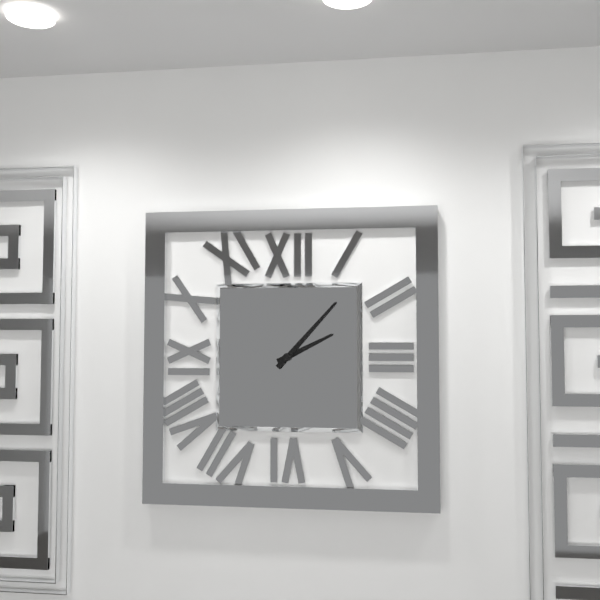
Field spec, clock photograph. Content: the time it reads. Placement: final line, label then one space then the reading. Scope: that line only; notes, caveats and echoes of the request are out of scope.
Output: 2:07
